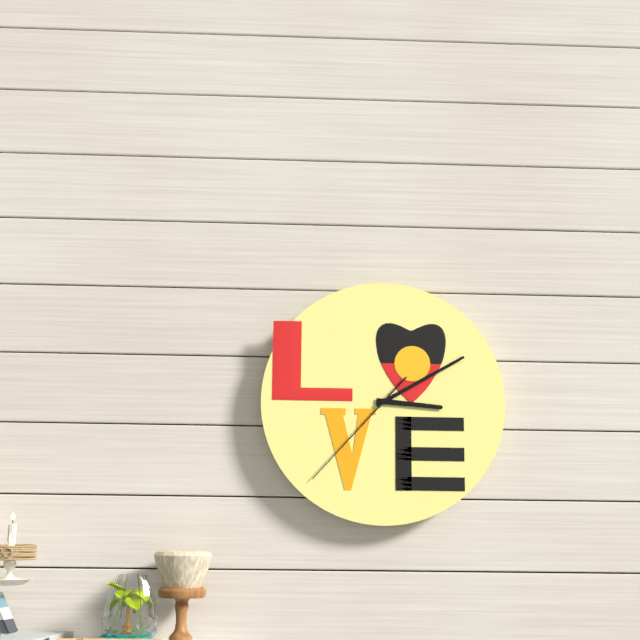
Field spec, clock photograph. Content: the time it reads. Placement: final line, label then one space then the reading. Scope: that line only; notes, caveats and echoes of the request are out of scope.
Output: 3:10:37
